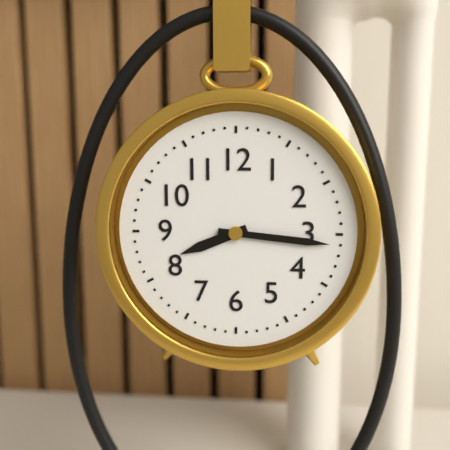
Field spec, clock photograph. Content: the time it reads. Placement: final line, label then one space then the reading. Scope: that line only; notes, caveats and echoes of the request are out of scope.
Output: 8:16
